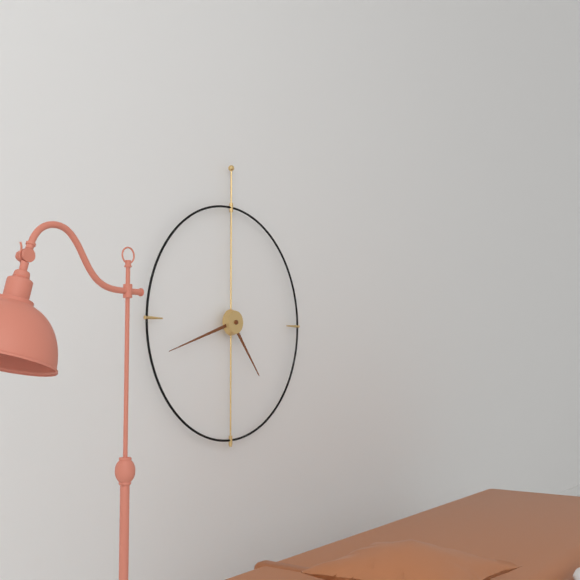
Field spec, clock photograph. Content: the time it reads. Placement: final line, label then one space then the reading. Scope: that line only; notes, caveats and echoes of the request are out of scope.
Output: 4:42
